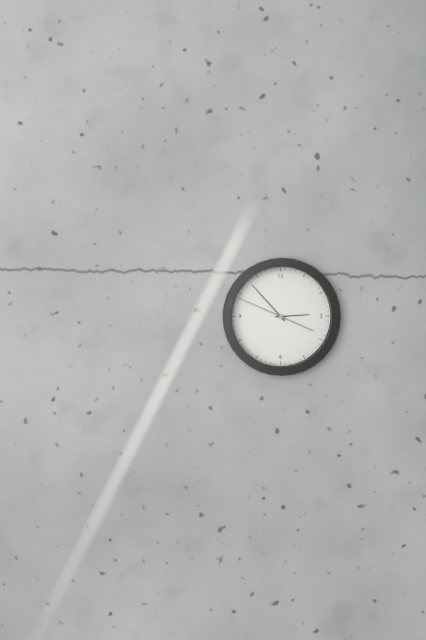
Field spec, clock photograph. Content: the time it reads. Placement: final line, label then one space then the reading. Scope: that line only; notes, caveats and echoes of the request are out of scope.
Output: 2:53:49
